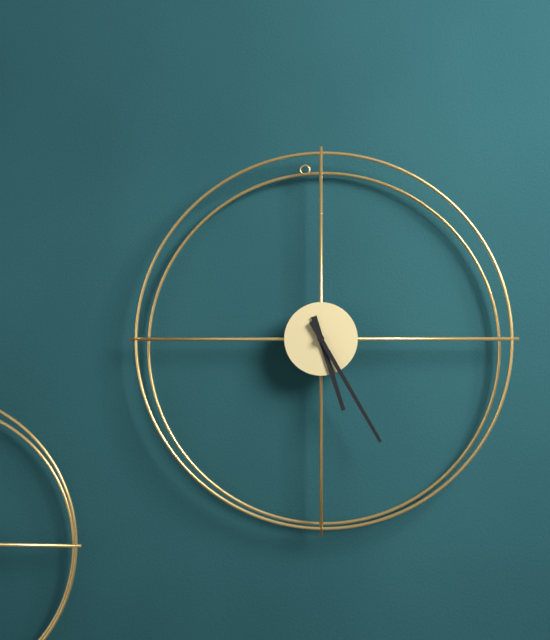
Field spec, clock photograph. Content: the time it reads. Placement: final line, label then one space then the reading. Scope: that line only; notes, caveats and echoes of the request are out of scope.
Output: 5:25
